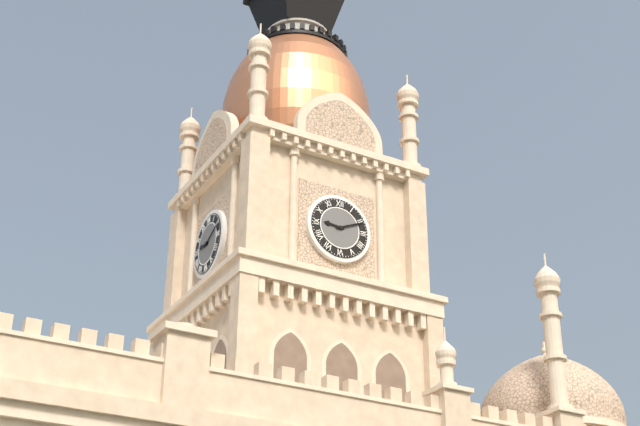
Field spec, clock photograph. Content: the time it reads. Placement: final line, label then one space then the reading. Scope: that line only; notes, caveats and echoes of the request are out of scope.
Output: 9:11
